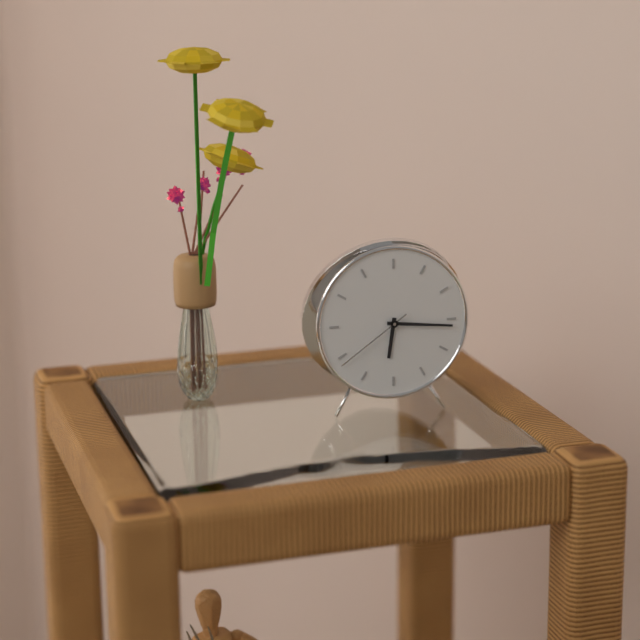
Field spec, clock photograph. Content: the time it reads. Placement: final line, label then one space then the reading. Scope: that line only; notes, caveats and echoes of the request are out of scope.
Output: 6:16:39
